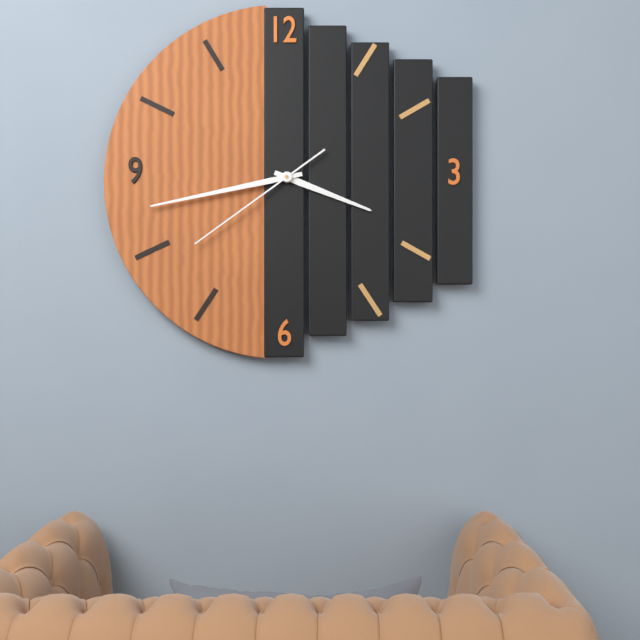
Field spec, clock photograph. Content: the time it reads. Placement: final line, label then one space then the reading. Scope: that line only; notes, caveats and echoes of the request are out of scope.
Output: 3:43:39
